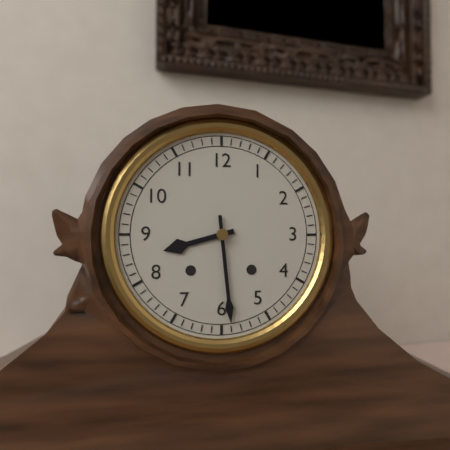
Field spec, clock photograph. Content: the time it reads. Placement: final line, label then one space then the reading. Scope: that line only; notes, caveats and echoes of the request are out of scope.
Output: 8:29
